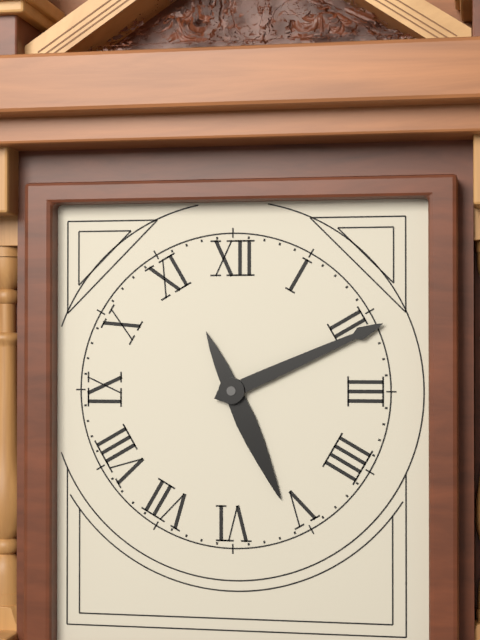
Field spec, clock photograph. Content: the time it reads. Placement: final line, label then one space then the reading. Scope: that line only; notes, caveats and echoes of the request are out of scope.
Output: 5:11
